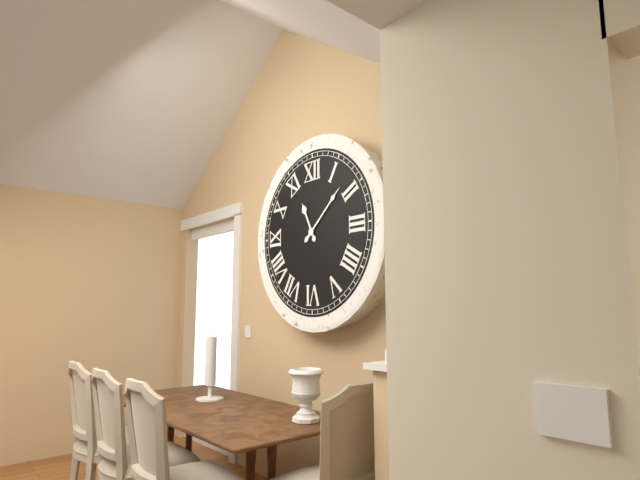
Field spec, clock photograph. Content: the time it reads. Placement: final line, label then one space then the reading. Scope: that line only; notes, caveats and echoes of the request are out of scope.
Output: 11:08
